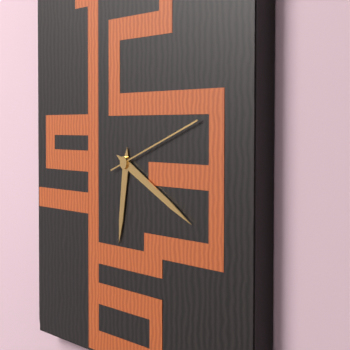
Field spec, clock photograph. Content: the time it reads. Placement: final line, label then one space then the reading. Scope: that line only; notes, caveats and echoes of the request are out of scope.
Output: 6:19:12
